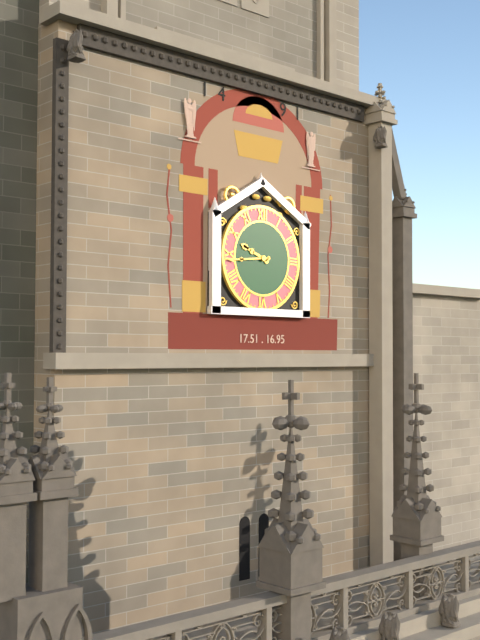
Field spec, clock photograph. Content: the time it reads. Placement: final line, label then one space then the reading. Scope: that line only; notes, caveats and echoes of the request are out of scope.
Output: 9:44
